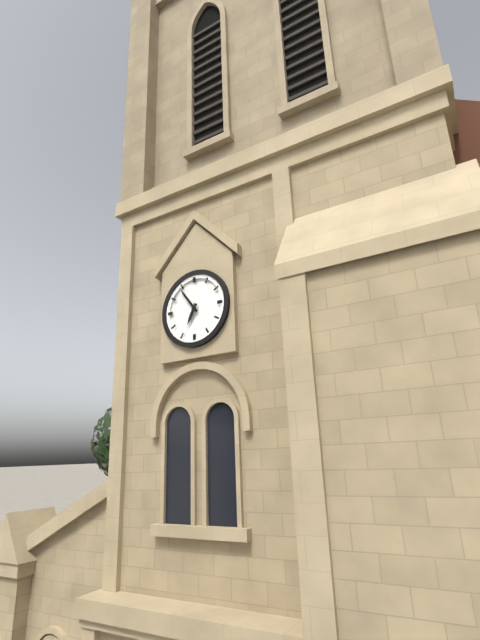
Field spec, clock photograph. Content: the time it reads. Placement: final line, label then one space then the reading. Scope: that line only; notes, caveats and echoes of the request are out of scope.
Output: 6:54
